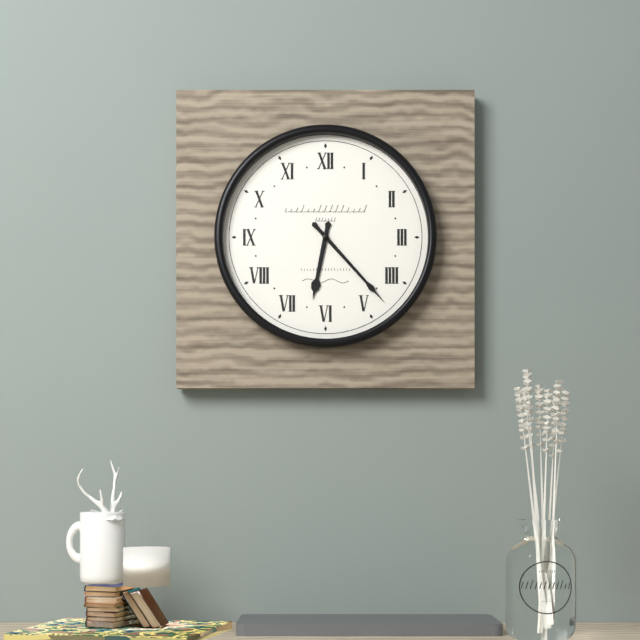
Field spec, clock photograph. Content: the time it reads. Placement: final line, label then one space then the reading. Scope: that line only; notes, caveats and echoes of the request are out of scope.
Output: 6:23
